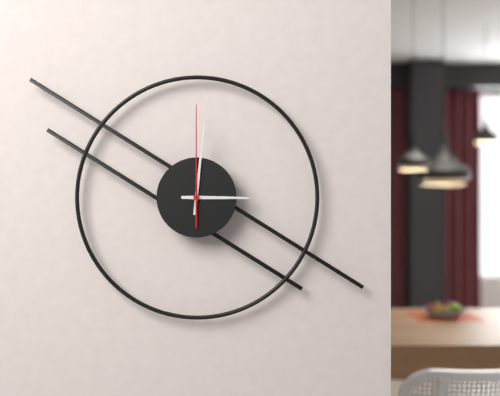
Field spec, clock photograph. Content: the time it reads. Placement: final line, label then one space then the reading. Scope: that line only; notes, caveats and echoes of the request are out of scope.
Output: 3:01:00
